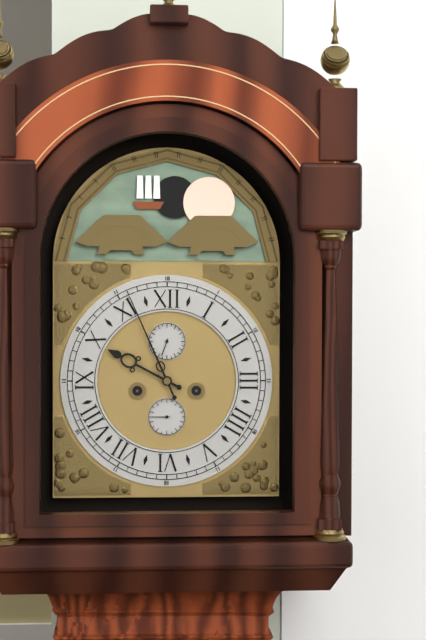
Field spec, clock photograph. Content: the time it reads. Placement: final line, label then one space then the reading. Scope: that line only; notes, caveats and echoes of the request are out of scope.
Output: 9:56
